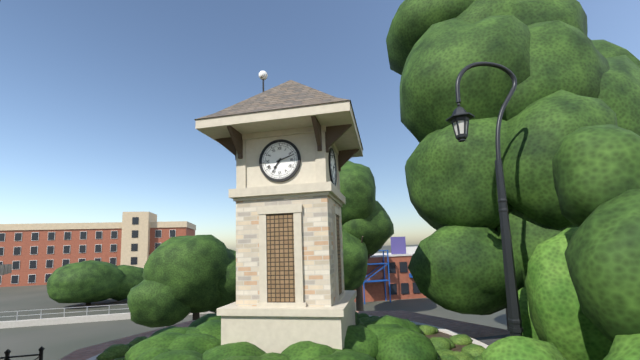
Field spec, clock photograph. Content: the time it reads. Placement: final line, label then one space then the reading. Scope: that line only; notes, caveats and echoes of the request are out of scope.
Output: 7:12
